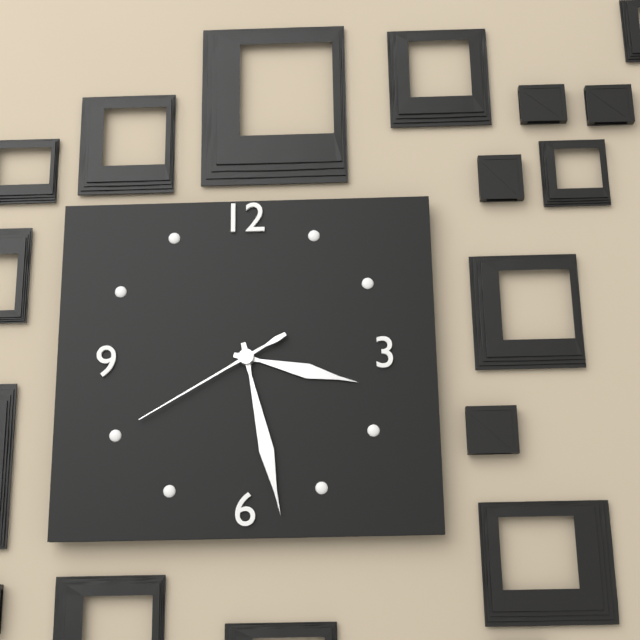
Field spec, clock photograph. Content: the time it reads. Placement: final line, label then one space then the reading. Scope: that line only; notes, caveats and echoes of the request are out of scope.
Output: 3:28:40
